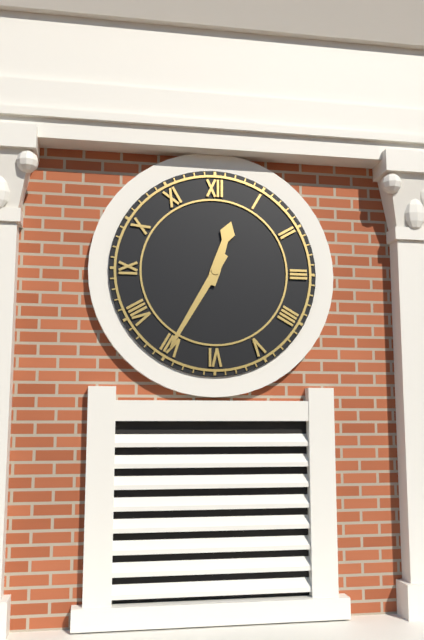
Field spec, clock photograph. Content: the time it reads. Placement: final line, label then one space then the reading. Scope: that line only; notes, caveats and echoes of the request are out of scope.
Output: 12:35
